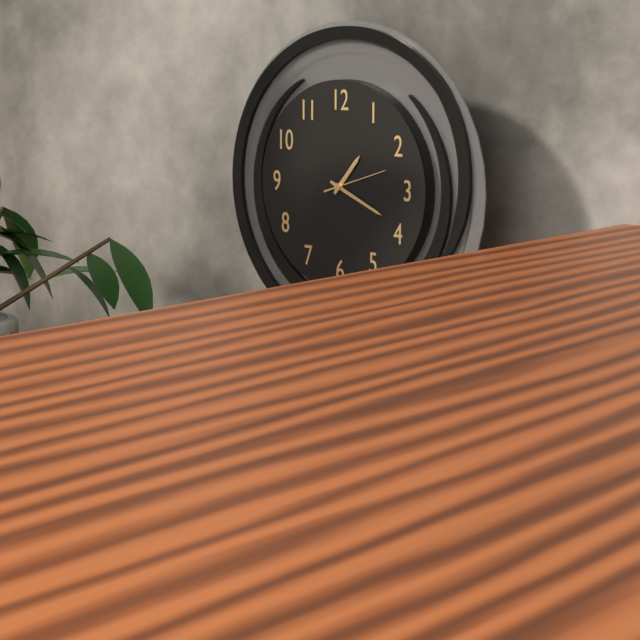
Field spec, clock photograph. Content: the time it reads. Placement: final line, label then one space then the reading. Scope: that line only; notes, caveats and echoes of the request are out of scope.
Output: 1:19:12
